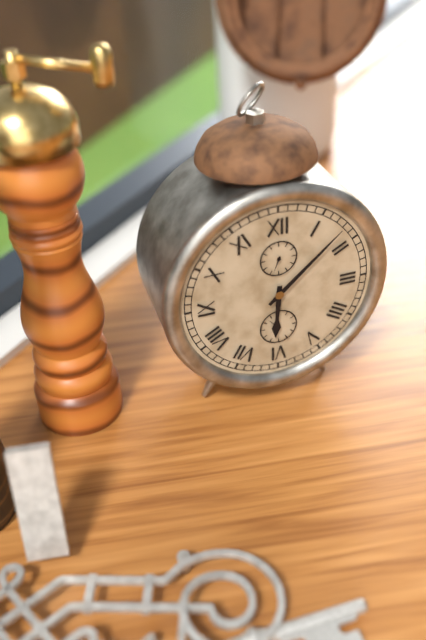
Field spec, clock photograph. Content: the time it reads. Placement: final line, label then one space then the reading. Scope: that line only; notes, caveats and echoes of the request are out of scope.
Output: 6:08
